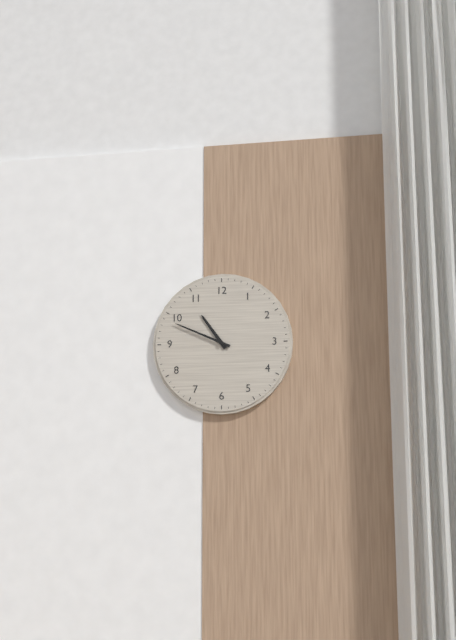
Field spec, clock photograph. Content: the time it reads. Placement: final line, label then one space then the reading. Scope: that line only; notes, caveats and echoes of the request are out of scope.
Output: 10:49
